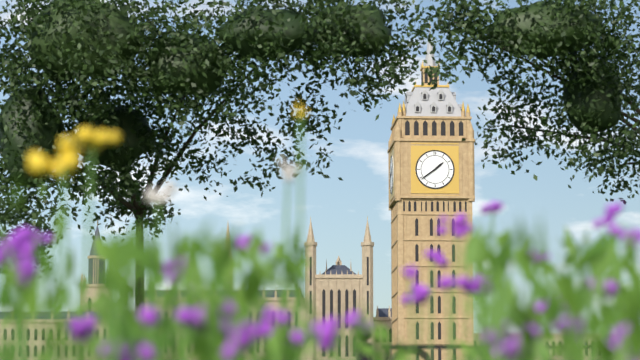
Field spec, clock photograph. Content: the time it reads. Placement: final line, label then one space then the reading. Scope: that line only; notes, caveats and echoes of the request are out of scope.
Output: 1:39
